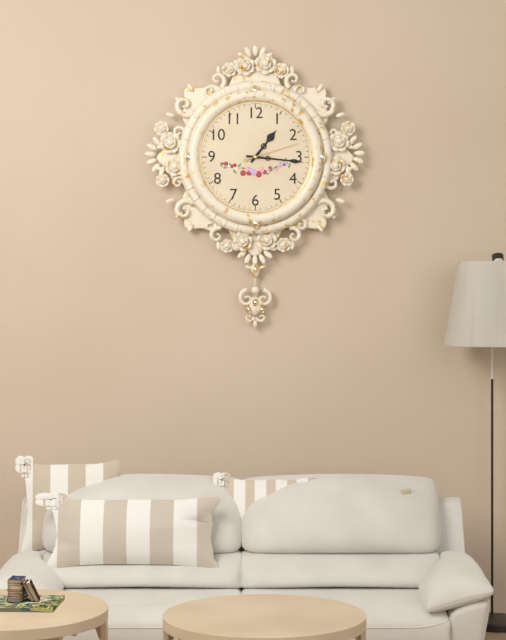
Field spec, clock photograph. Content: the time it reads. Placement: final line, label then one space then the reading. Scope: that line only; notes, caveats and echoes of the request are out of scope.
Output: 1:16:12
